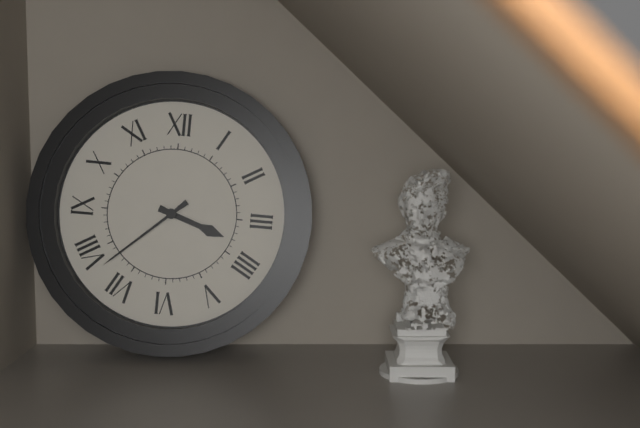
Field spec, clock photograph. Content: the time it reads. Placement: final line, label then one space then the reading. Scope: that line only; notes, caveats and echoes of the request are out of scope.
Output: 3:38
